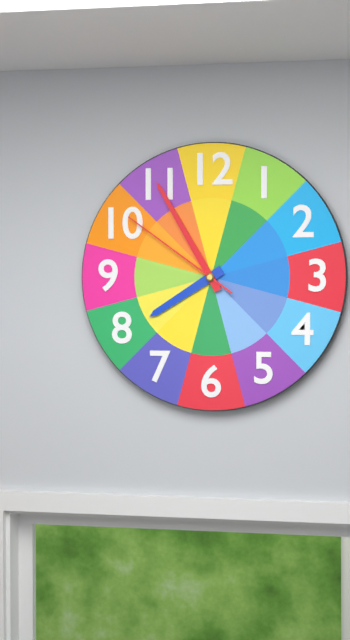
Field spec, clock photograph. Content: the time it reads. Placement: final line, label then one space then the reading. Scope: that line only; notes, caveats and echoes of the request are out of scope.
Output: 7:55:51
